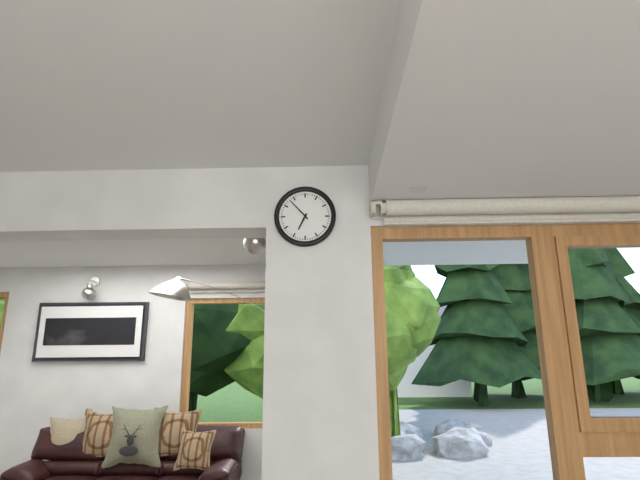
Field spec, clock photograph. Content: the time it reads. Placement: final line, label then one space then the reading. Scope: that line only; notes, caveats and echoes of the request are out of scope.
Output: 6:53
